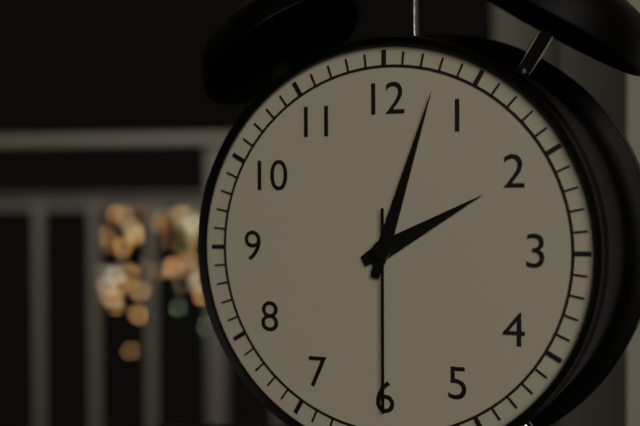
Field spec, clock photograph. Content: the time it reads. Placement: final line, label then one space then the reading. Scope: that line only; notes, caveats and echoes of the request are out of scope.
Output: 2:03:30
